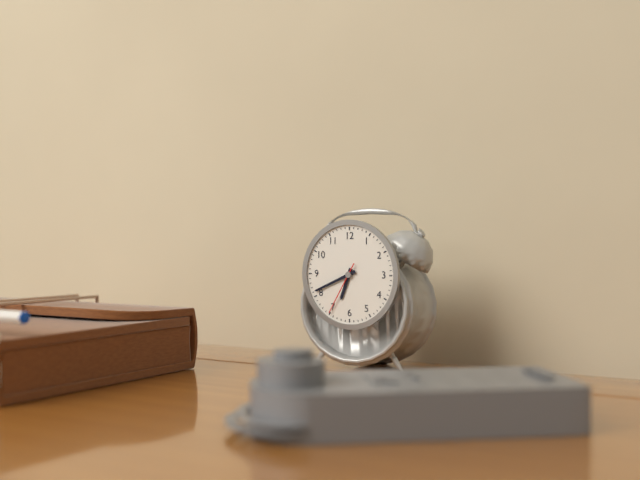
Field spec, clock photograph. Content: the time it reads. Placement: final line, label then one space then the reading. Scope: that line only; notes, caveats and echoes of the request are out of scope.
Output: 6:41:35
